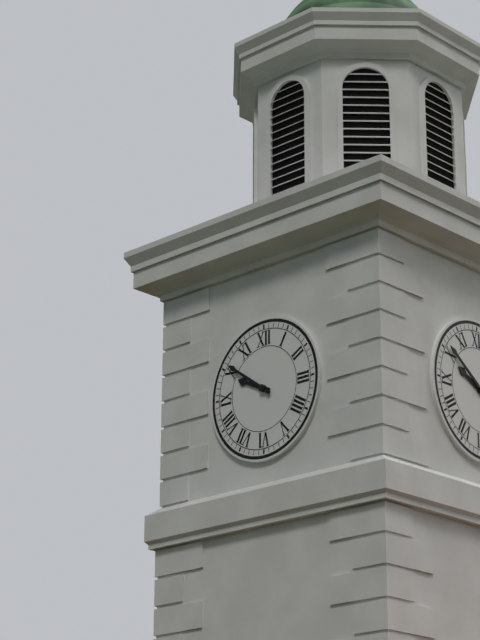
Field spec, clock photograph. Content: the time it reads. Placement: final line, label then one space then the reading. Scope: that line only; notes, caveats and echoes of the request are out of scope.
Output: 9:51
